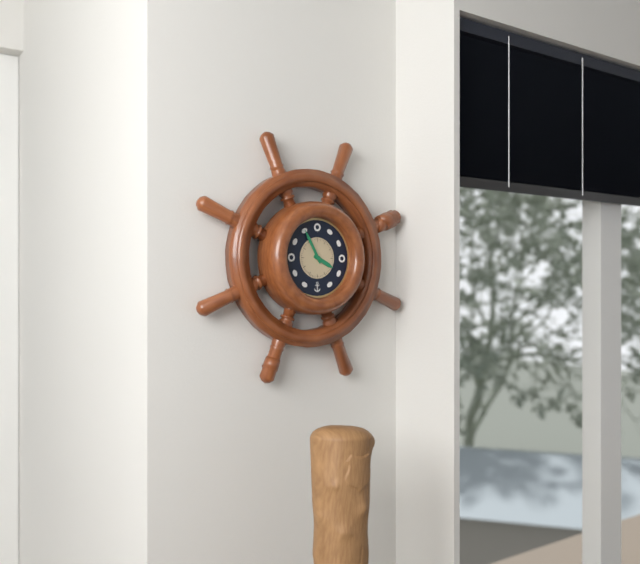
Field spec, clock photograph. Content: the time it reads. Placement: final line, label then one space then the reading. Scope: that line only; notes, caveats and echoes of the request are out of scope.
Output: 3:55
